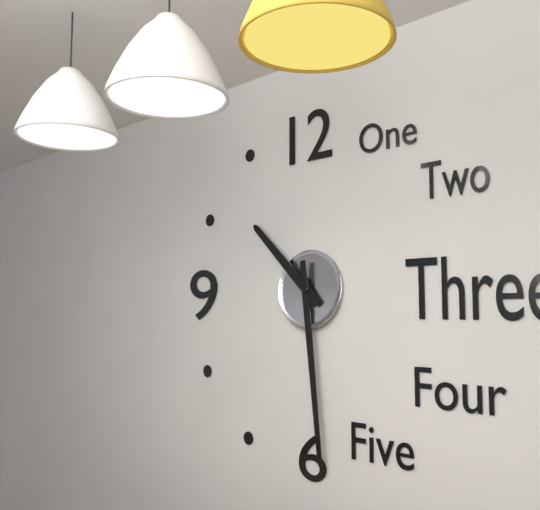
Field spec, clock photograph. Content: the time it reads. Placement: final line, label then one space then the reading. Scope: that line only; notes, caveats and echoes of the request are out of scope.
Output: 10:29
